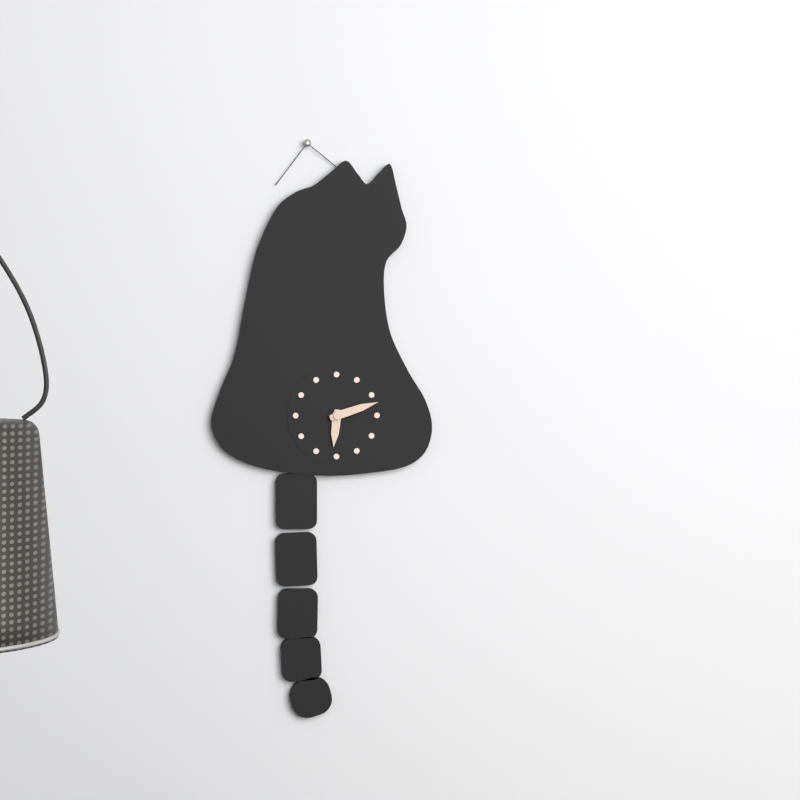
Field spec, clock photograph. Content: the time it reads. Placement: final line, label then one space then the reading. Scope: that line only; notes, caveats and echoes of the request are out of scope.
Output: 6:12
